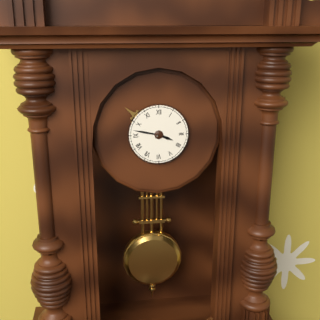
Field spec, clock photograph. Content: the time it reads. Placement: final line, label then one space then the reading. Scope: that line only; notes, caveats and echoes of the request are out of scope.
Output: 3:47
